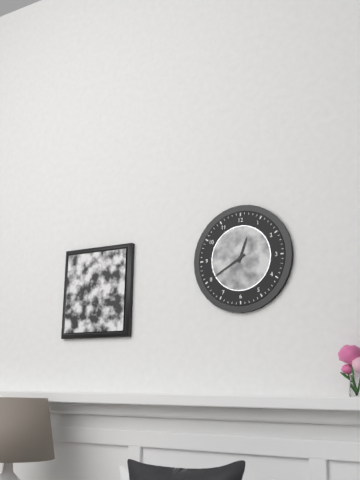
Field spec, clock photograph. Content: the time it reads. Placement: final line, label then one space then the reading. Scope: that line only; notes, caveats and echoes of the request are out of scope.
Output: 12:40
